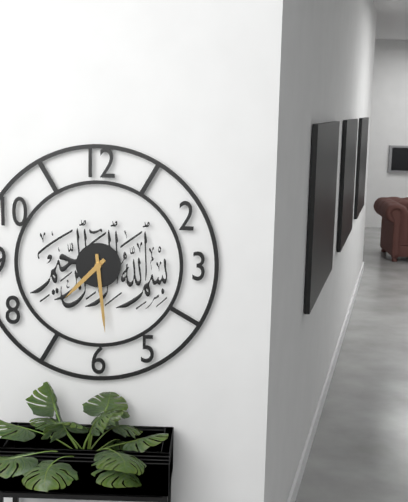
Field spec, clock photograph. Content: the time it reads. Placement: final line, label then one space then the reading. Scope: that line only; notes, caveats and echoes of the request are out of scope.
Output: 7:29
